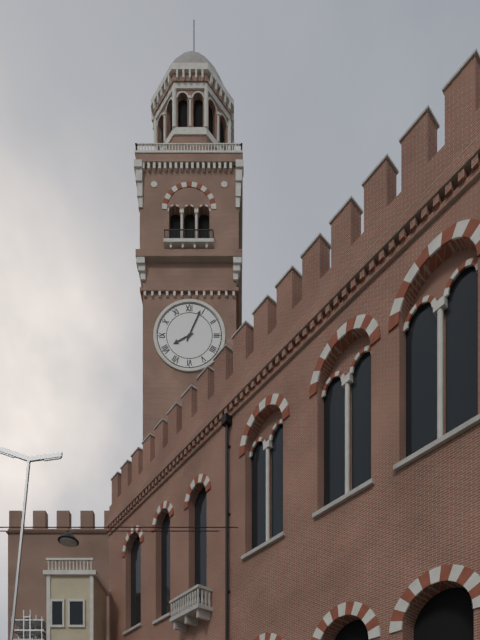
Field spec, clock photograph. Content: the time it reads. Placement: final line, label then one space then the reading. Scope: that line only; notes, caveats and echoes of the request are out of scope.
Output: 8:04
